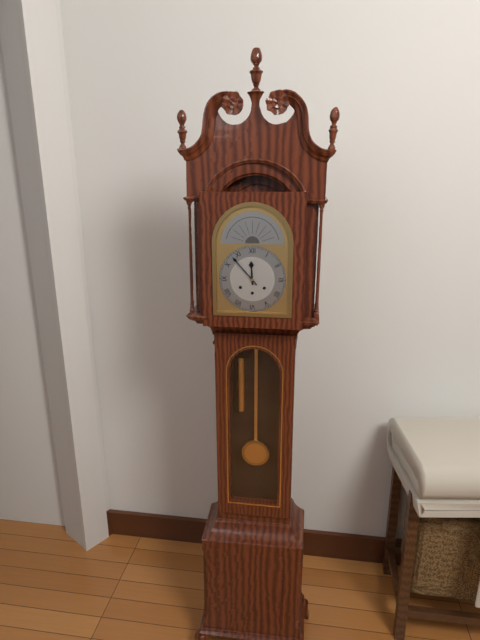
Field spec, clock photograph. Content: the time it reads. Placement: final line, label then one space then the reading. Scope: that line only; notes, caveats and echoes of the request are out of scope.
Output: 11:53
